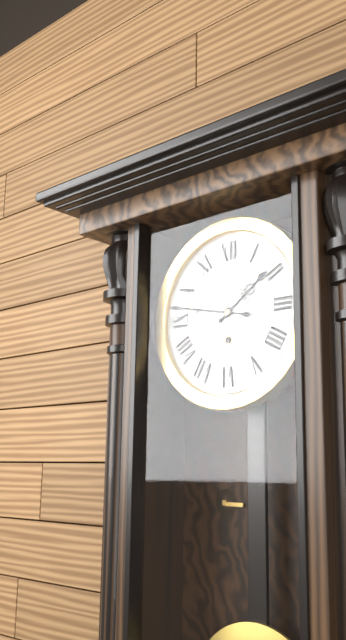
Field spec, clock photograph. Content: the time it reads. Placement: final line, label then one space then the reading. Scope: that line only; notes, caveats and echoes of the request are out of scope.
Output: 1:47
